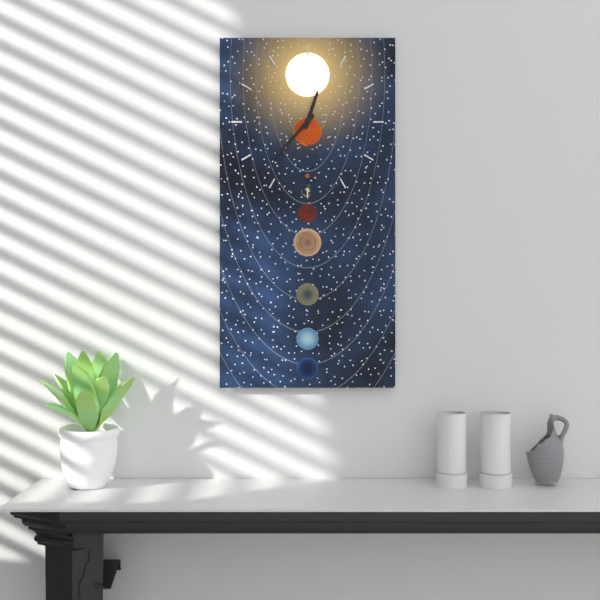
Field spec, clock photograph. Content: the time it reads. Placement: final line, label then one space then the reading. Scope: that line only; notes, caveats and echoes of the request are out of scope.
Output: 12:37
